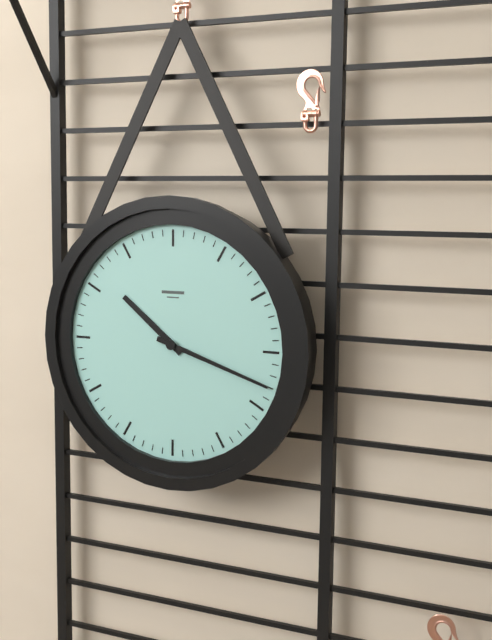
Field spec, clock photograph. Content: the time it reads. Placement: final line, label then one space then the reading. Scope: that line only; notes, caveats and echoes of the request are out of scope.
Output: 10:18
